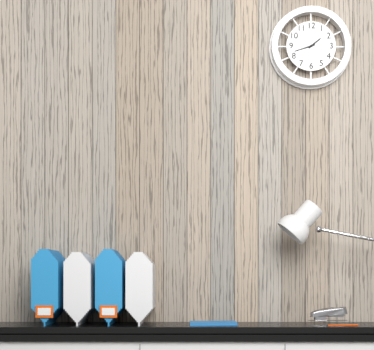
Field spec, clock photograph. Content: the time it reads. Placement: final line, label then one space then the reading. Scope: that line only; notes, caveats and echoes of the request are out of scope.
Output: 1:42
